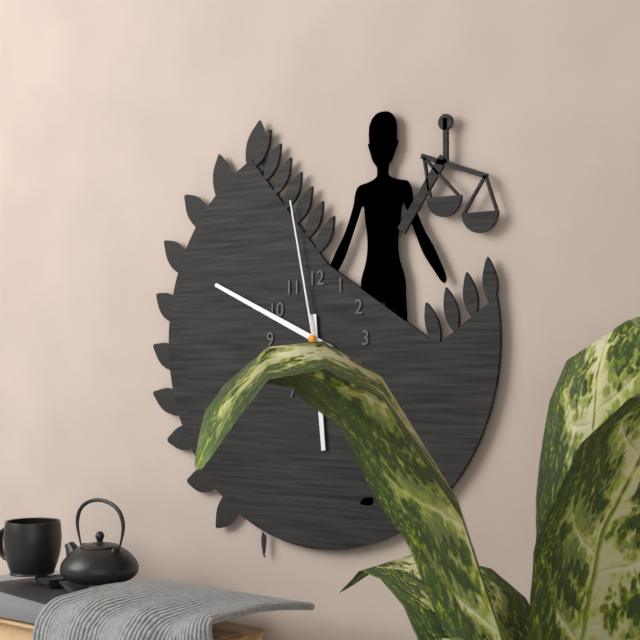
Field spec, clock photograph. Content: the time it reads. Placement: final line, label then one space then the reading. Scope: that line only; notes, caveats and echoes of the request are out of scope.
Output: 5:49:58
